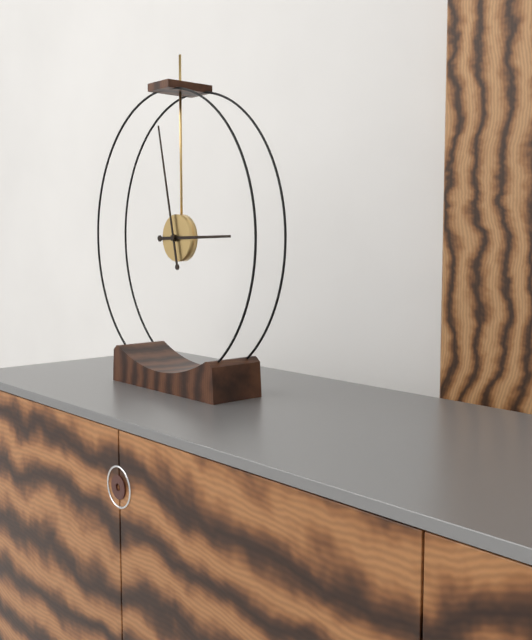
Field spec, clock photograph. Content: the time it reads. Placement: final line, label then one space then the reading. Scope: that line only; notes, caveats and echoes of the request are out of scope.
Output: 2:58
